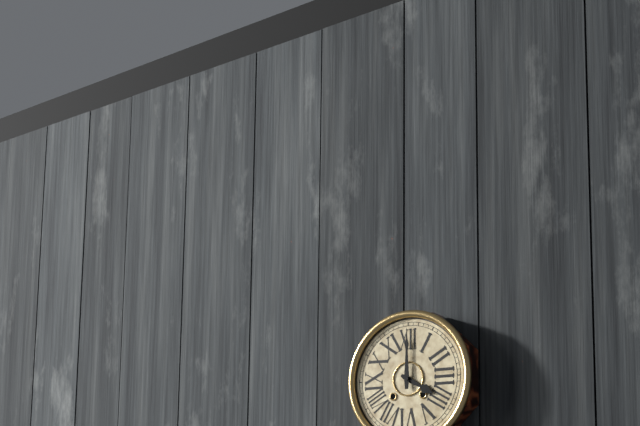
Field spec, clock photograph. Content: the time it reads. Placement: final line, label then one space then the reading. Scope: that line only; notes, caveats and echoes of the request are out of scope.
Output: 4:00
